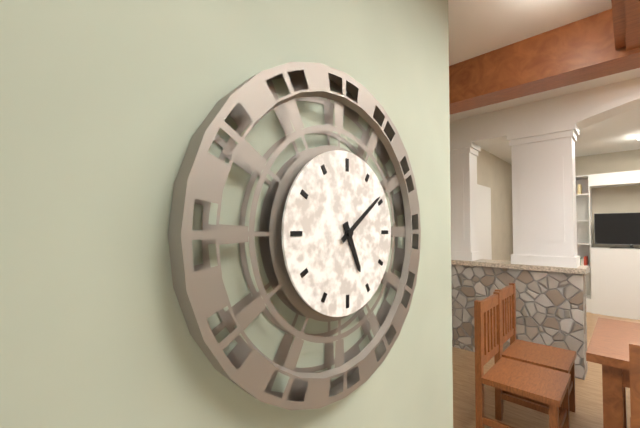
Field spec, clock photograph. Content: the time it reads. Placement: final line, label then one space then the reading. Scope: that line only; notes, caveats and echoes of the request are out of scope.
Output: 5:09
